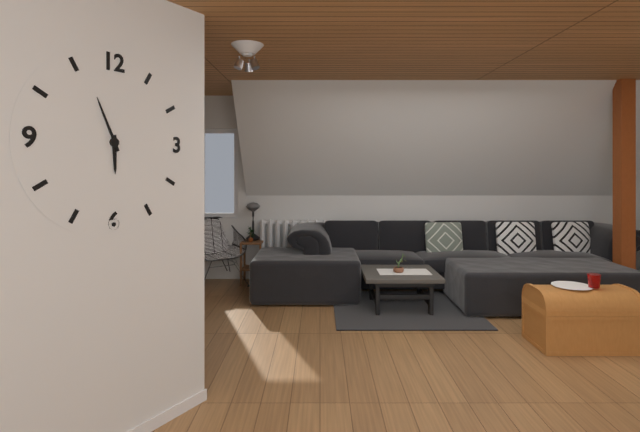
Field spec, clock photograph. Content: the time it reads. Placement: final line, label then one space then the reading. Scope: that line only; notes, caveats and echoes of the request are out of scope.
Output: 5:56
